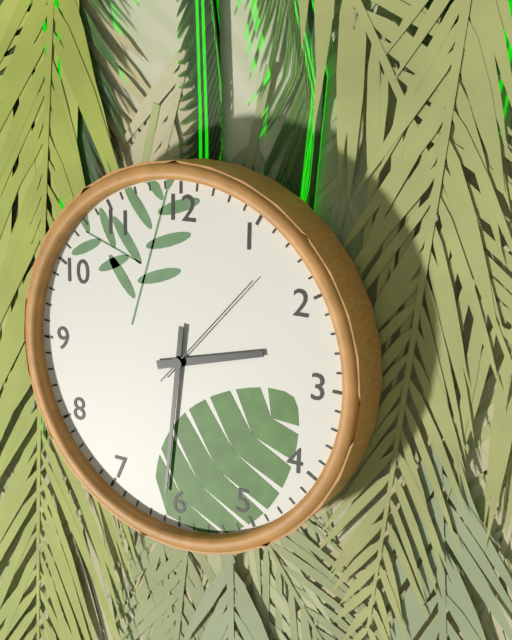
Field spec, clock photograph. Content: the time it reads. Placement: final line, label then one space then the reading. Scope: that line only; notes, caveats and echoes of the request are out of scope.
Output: 2:31:07
